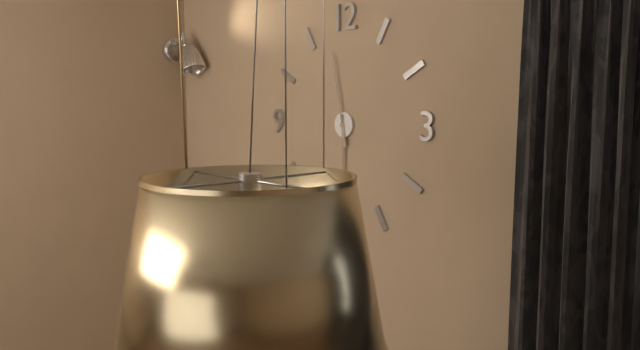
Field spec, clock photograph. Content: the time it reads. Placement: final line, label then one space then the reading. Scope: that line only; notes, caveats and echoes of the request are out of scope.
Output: 5:58
